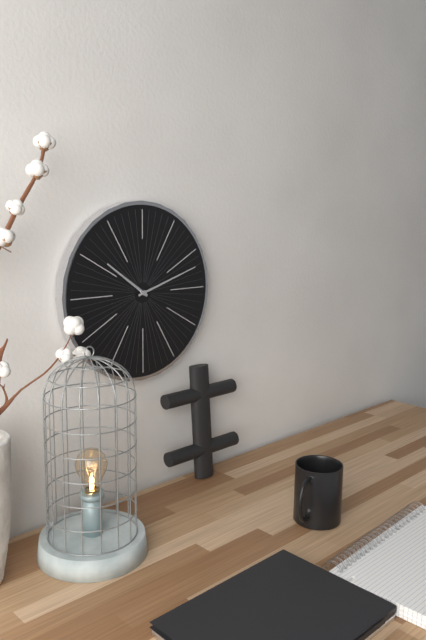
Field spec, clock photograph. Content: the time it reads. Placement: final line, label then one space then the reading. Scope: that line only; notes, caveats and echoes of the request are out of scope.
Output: 10:12
